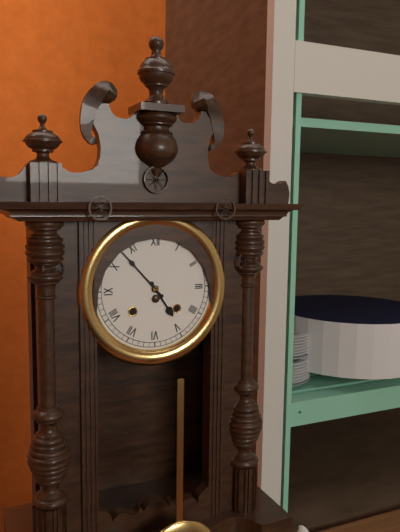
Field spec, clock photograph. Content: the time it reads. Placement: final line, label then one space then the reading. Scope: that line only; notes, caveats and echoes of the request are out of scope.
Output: 4:53
